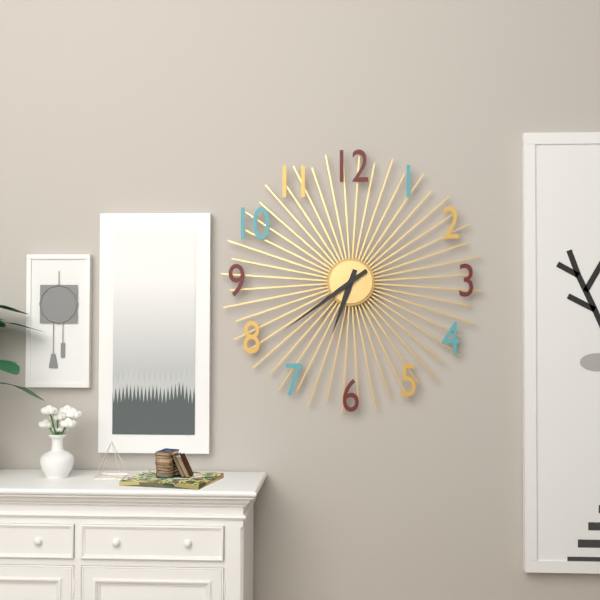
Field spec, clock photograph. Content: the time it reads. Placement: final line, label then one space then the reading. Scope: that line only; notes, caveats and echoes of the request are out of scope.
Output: 6:39
